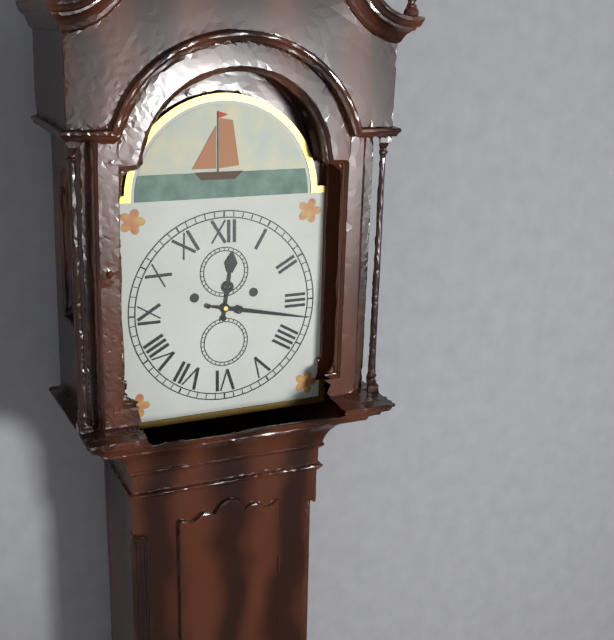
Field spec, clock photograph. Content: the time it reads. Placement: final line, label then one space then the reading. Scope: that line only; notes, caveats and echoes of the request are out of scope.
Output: 12:17
